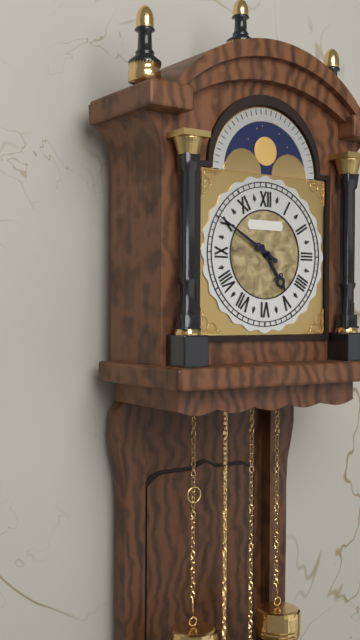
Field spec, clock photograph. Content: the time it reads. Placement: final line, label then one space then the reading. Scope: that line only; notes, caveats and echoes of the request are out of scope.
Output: 4:50
